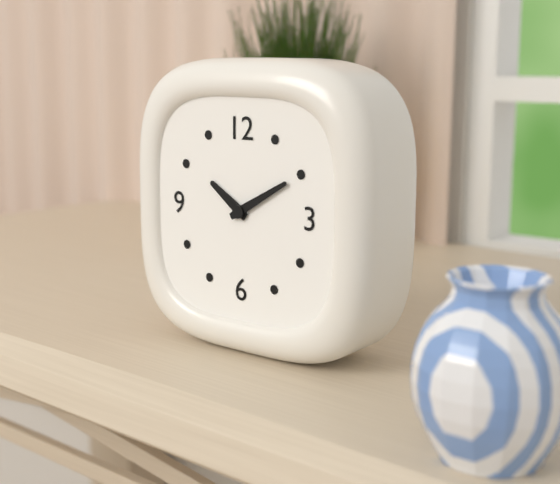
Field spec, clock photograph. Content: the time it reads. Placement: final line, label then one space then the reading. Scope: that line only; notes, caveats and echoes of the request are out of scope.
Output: 10:10
